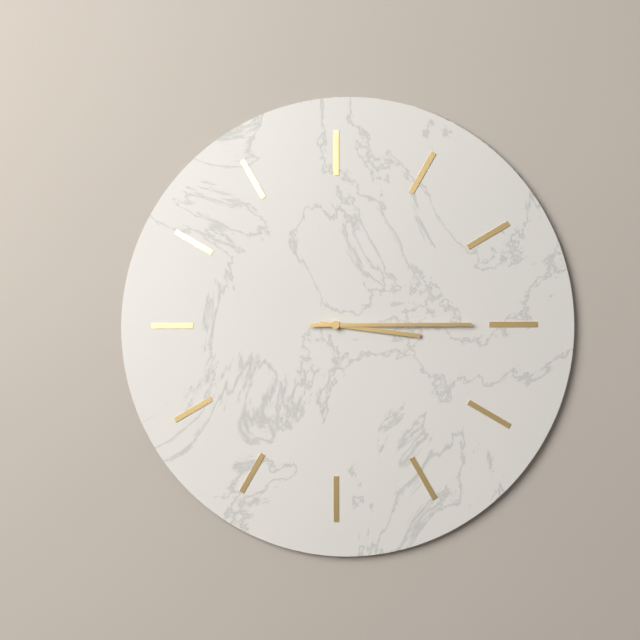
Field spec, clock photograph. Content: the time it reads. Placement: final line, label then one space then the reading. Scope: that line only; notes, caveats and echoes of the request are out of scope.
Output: 3:15
